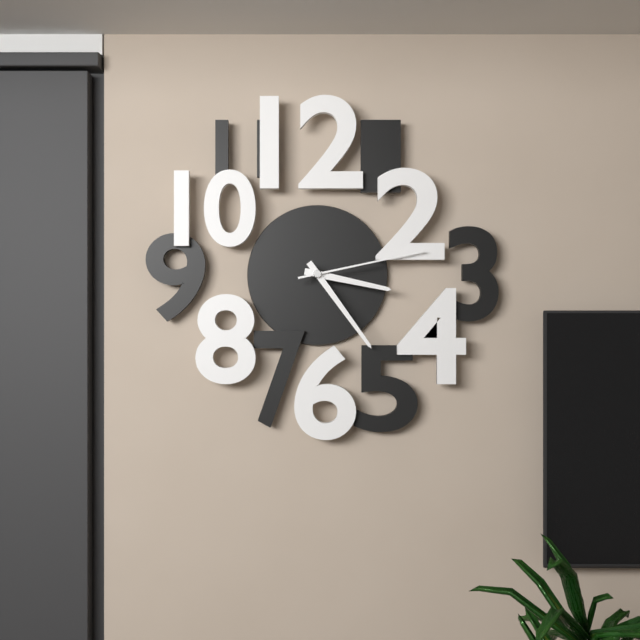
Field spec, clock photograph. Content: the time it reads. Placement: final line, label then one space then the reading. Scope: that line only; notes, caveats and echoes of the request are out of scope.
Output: 3:24:13
